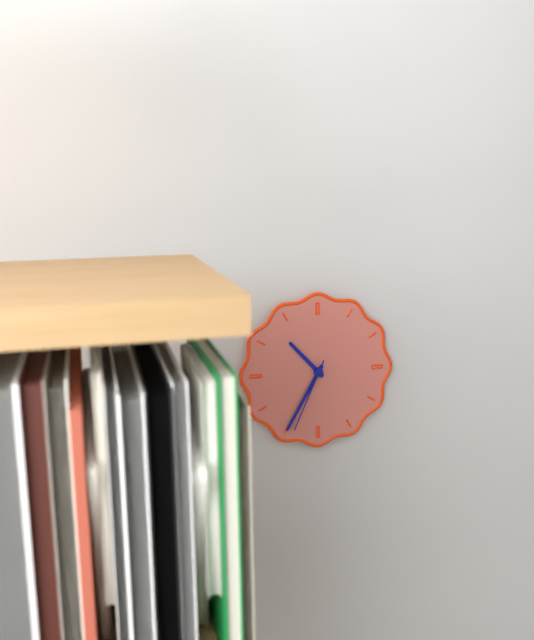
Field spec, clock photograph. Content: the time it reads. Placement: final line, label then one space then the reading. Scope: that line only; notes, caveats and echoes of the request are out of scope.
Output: 10:35:34
